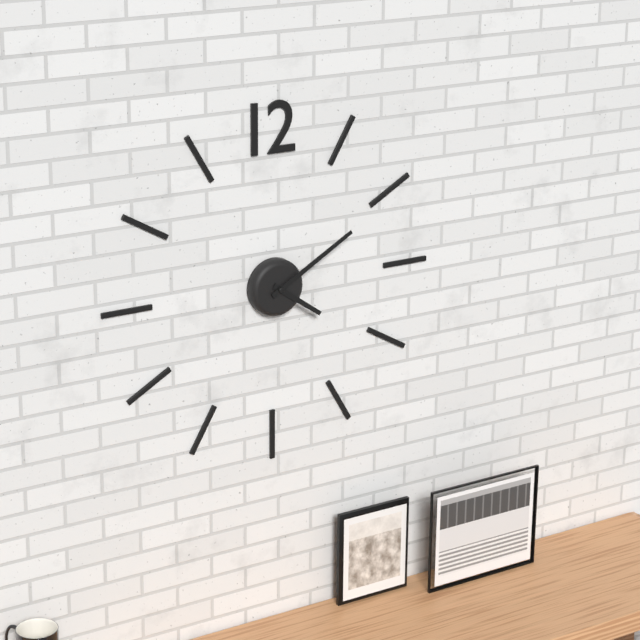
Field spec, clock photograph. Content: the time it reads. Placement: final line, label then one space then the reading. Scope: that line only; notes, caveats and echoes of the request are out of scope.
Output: 4:10
